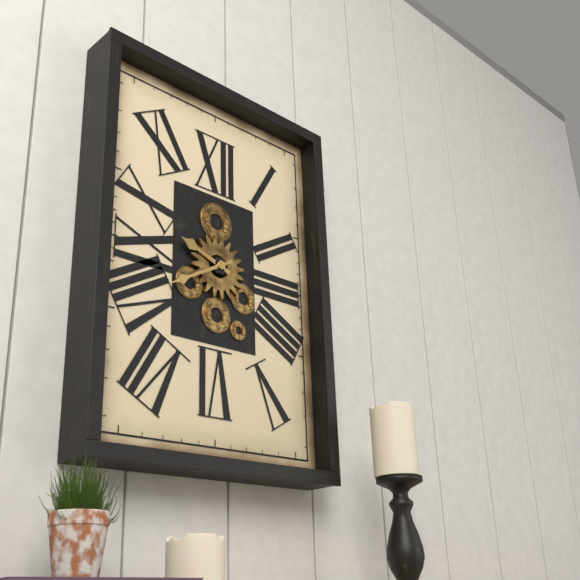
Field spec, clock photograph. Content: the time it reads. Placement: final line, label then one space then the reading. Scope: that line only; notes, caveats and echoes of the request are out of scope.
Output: 9:40
